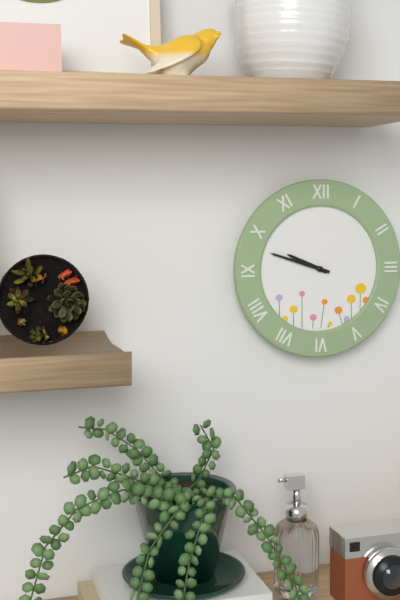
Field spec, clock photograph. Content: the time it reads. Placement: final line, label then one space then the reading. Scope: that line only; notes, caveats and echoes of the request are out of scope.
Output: 9:48
